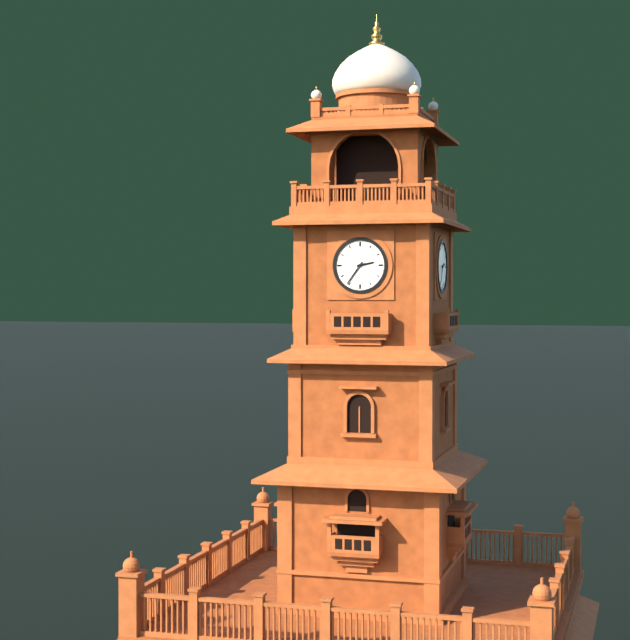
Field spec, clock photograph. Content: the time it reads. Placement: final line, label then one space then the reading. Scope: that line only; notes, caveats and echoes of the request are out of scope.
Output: 2:36
